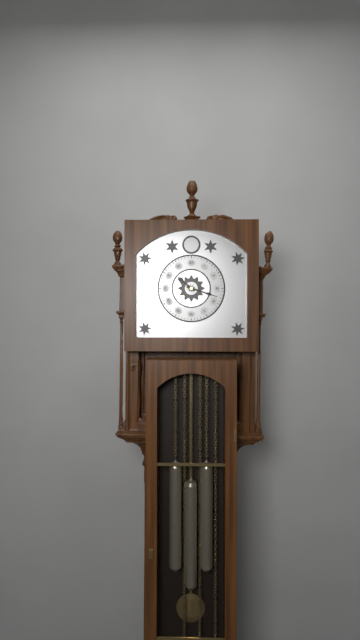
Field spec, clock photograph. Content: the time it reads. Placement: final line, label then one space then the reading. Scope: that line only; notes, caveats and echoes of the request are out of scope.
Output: 10:18
